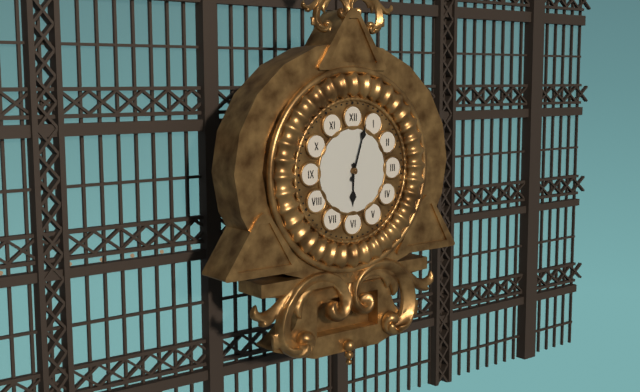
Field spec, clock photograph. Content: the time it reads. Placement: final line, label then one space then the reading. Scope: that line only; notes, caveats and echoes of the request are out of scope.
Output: 6:03
